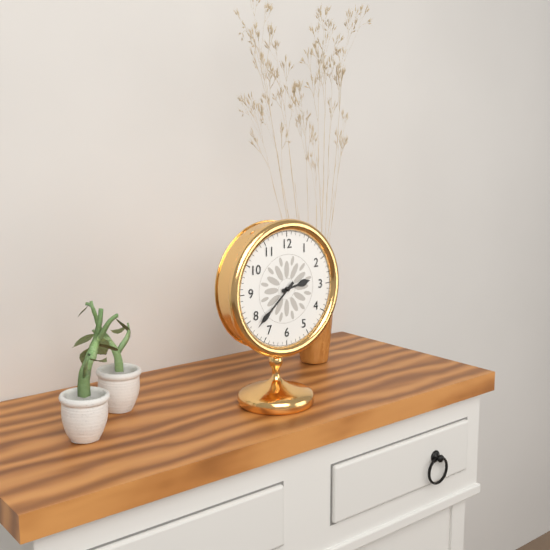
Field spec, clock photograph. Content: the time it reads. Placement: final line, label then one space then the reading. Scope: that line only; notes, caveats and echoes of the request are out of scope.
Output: 2:38
